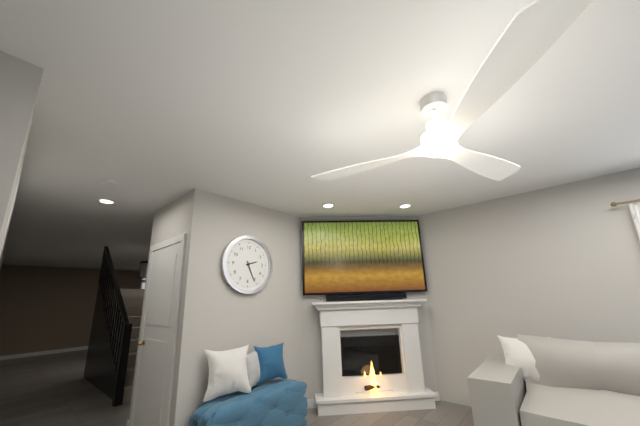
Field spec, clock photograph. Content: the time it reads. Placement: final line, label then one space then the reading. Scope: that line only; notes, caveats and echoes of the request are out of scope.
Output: 2:26
